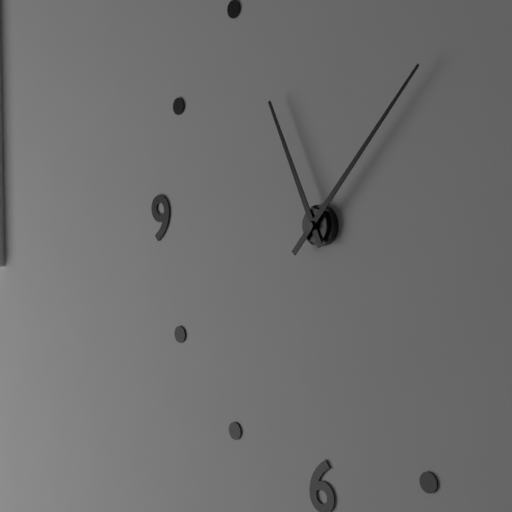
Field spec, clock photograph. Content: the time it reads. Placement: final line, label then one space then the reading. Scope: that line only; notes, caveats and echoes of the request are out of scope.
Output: 11:07
